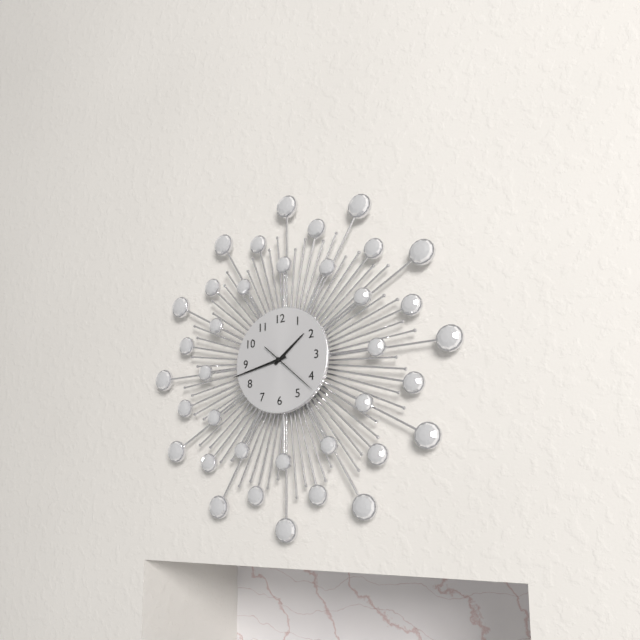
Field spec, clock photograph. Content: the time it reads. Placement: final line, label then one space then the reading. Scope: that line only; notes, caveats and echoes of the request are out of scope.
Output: 1:43:22
